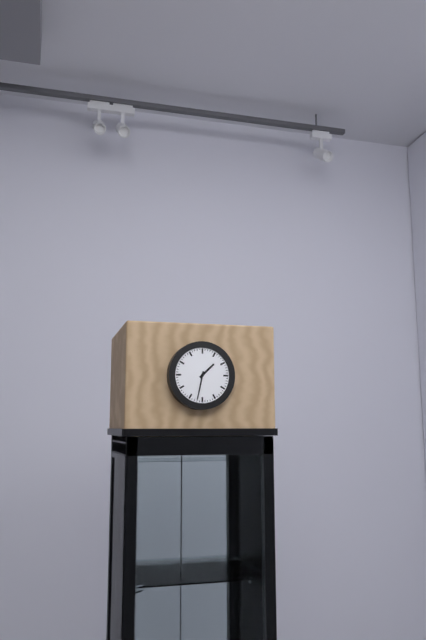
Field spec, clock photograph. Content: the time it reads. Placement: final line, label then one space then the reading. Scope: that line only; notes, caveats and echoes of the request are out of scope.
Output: 1:32
